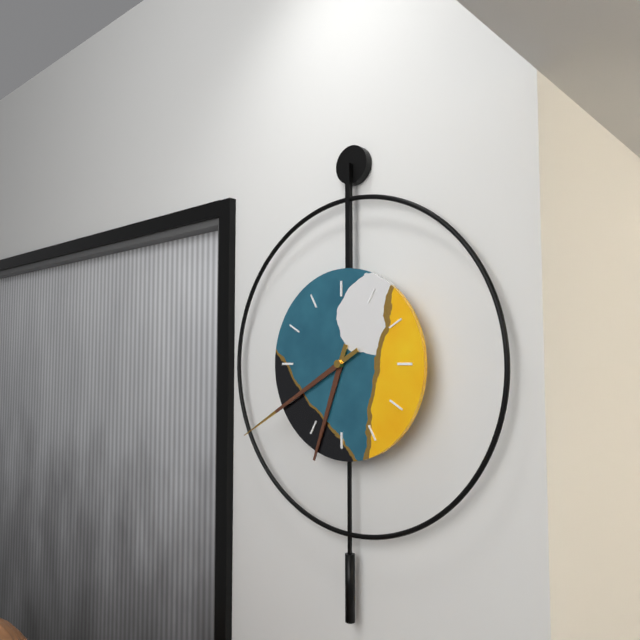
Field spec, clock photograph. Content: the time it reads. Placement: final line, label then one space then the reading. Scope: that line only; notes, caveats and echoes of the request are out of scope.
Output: 6:40
